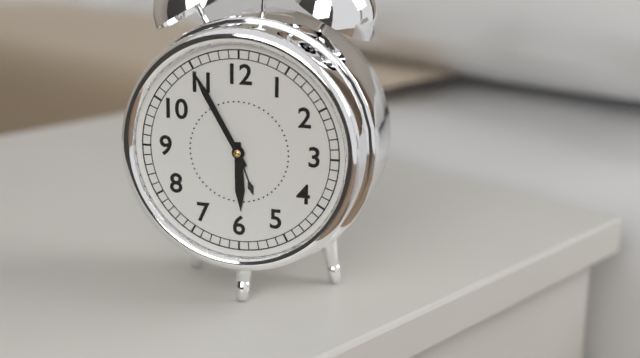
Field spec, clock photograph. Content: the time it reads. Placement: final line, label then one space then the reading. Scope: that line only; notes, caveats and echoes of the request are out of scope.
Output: 5:55
